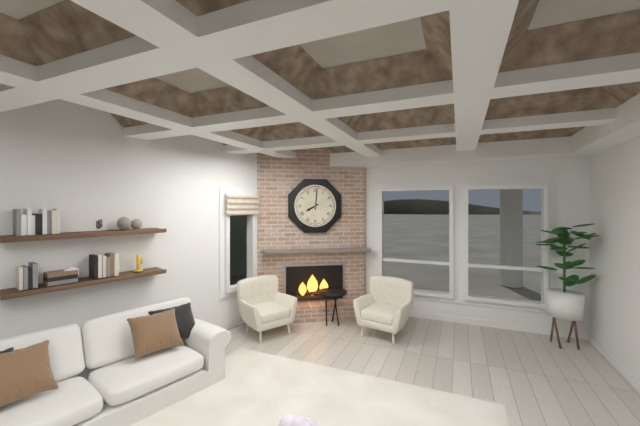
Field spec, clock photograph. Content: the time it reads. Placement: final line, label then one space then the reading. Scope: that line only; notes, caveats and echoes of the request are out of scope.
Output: 8:01
